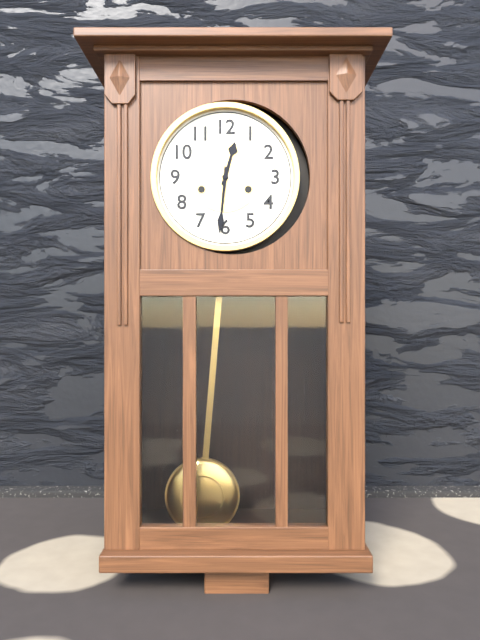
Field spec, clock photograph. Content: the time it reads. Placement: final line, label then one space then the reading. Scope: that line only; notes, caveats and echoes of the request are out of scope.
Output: 12:31
